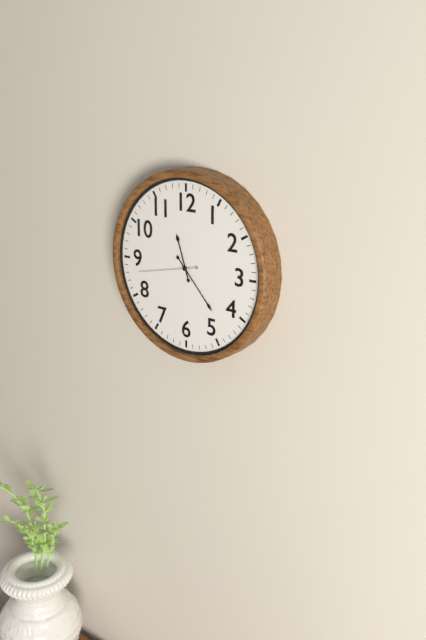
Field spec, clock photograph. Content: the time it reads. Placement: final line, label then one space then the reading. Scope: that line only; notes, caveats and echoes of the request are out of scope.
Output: 11:23:43
